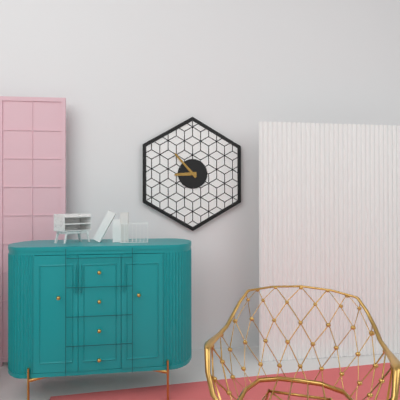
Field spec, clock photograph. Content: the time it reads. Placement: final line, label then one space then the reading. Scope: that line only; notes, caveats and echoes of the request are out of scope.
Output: 8:53
